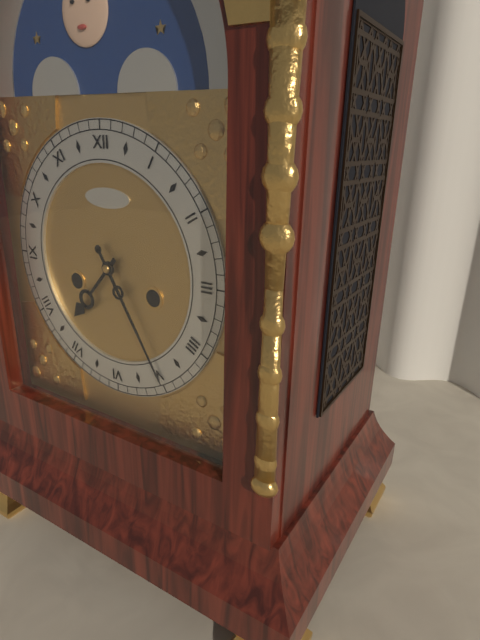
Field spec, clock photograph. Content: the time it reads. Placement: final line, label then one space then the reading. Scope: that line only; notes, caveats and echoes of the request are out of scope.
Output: 7:25
